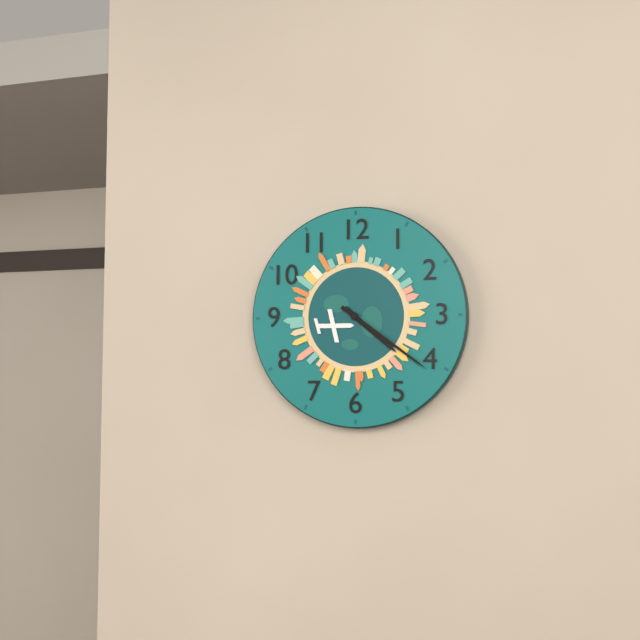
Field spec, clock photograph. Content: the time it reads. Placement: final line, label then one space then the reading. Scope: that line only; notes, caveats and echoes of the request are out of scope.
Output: 4:21
